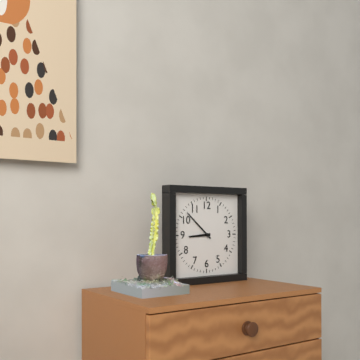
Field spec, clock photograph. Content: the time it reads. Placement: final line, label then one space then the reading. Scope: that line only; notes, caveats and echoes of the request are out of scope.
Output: 8:52
